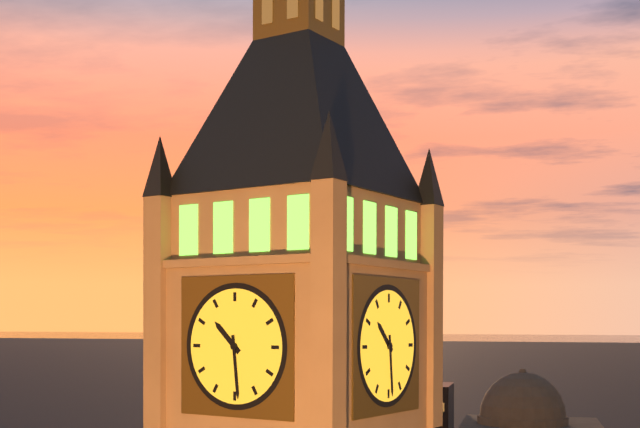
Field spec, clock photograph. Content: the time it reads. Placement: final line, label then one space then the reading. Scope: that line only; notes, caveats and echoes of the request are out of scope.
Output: 10:29
